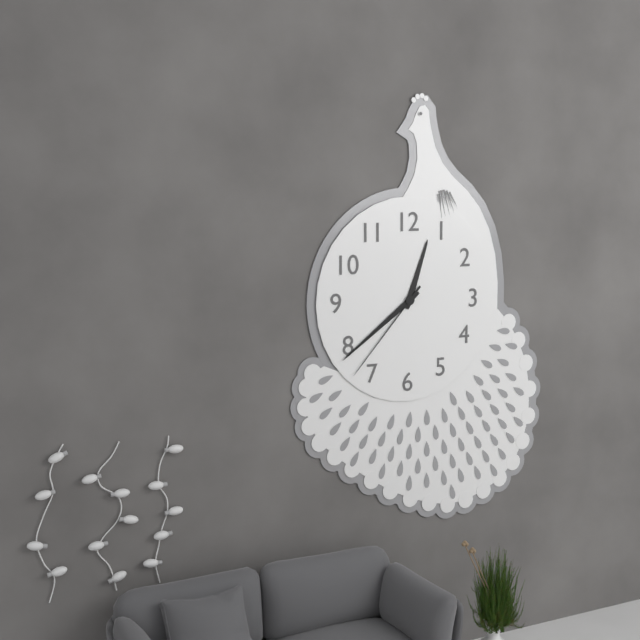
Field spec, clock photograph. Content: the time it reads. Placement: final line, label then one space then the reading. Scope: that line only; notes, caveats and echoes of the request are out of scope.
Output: 12:39:37
